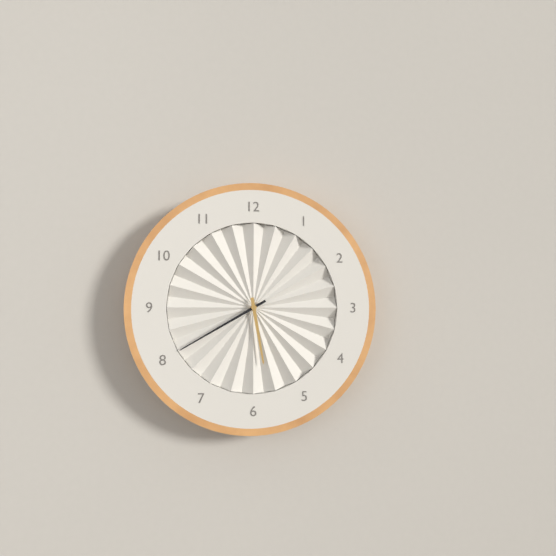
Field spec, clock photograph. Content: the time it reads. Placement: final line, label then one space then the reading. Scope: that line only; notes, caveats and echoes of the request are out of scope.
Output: 5:40
